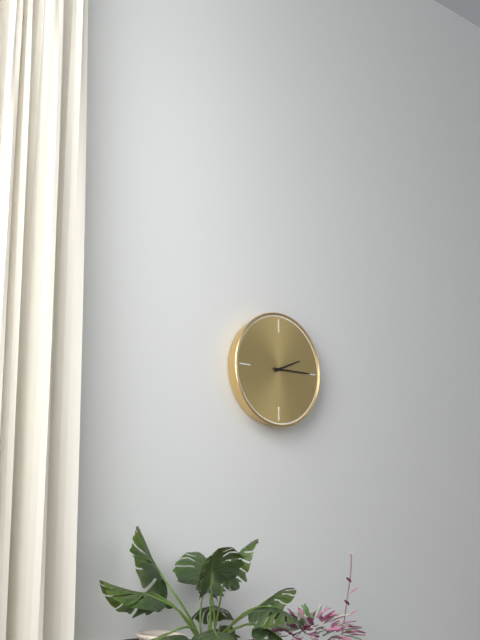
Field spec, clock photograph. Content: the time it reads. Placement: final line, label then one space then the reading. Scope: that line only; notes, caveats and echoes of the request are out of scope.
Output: 2:15
